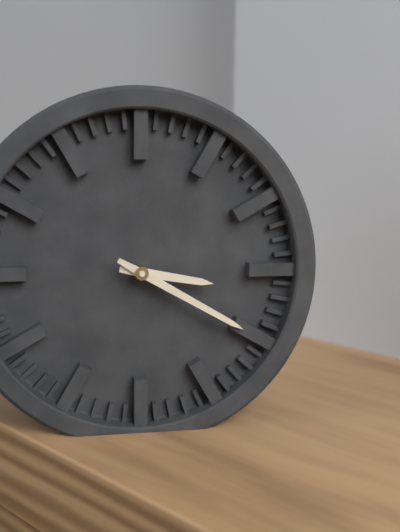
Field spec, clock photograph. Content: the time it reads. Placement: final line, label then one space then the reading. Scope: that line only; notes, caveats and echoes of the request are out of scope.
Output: 3:20
